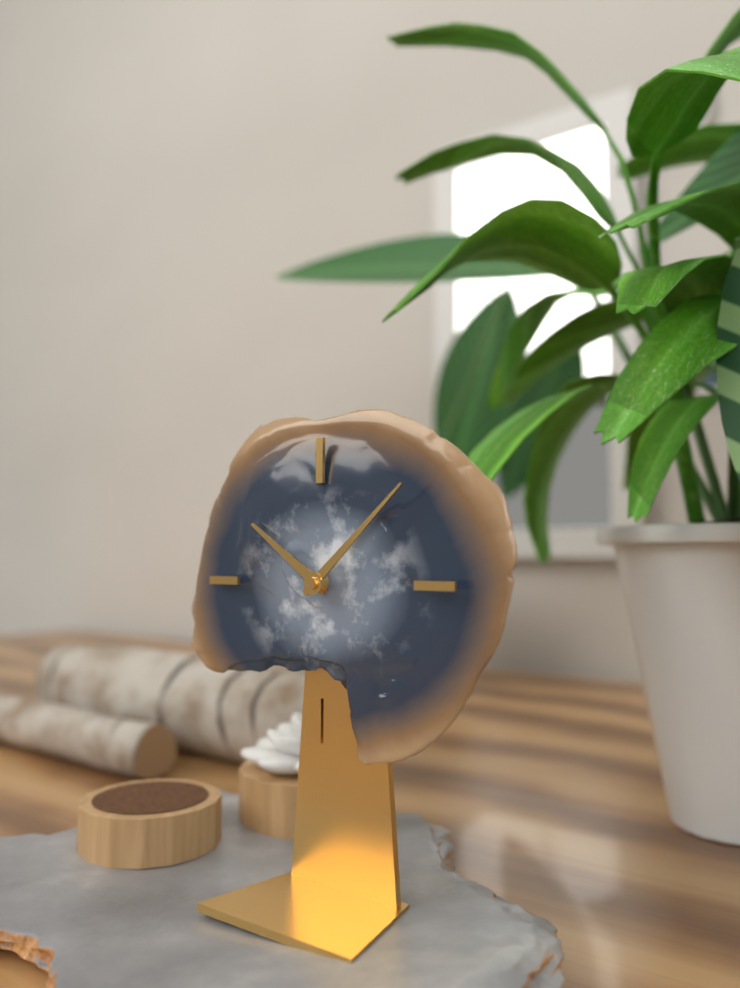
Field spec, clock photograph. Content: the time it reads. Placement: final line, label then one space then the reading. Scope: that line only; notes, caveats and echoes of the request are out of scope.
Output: 10:08
